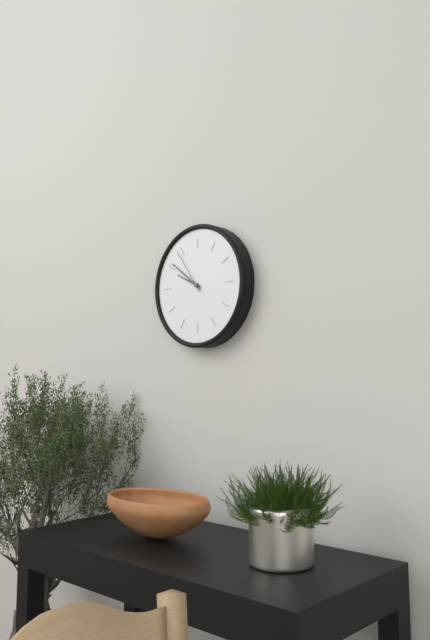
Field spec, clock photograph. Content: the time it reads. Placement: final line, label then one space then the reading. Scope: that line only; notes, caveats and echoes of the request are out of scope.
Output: 9:51
